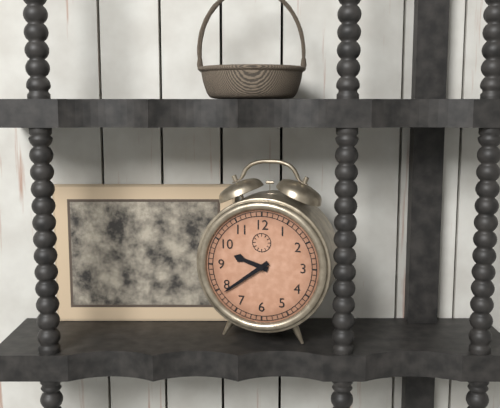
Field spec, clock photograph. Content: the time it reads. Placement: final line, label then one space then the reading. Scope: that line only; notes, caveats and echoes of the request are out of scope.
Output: 9:39
